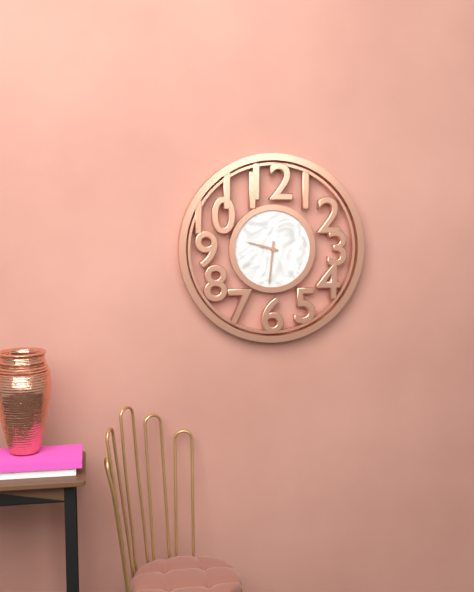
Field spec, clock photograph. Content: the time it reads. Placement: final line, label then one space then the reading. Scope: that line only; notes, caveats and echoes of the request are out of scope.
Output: 9:31
